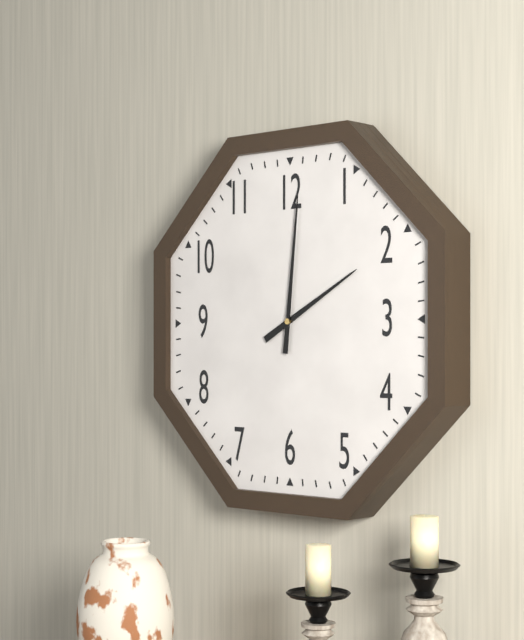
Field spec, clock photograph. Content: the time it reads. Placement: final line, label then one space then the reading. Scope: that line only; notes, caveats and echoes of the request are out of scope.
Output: 2:01
